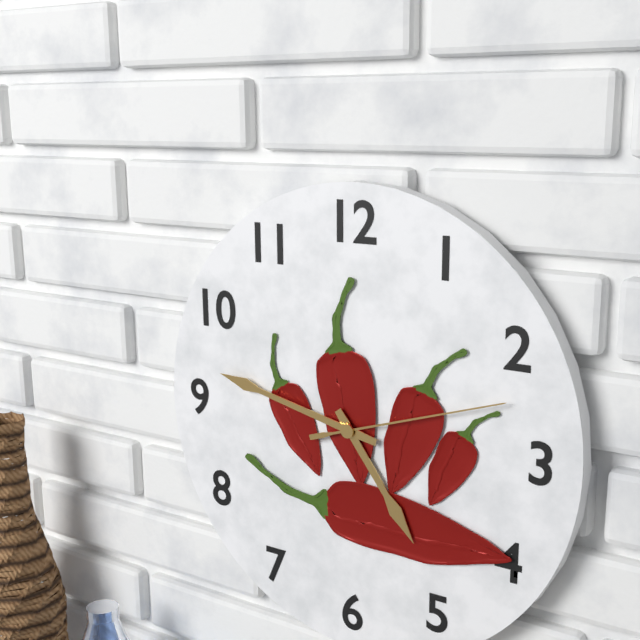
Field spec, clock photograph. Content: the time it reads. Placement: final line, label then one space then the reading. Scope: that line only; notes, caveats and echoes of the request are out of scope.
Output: 4:47:12
